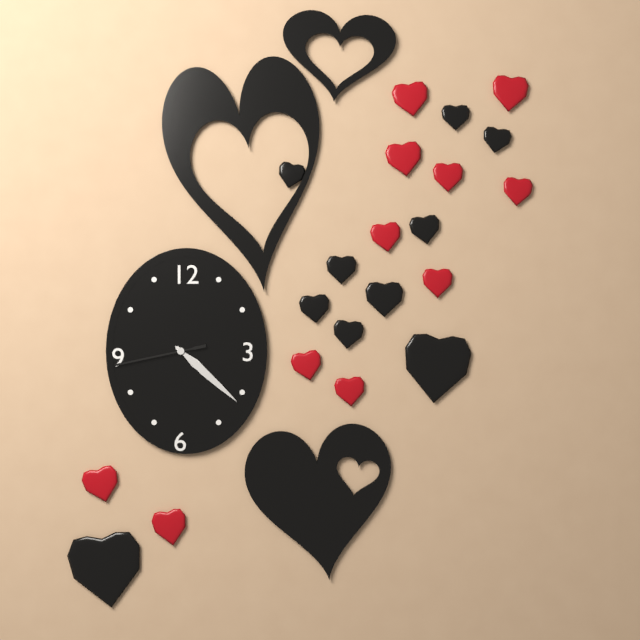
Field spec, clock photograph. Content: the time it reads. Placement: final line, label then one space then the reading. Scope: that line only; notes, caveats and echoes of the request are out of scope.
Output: 4:22:43
